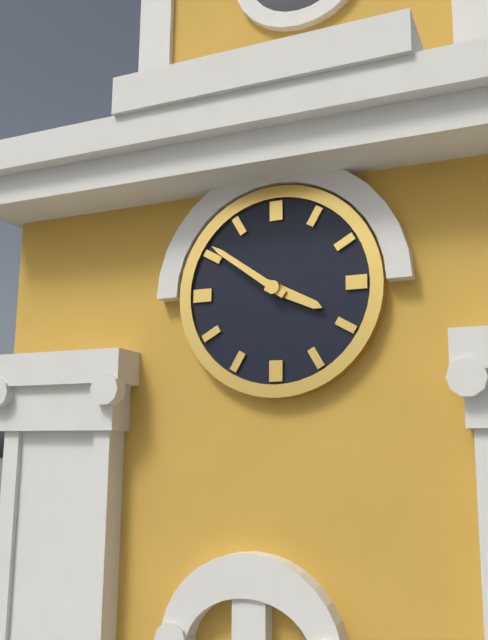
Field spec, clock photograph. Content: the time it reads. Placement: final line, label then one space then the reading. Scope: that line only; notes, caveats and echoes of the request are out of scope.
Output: 3:51
